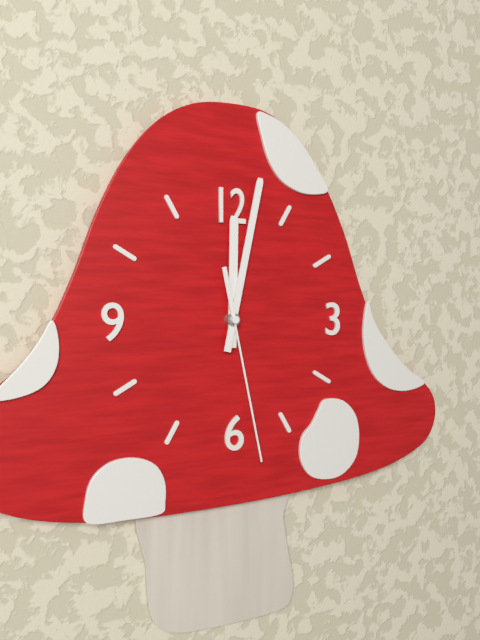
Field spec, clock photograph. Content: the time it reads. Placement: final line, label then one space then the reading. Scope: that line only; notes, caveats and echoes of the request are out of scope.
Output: 12:02:28
